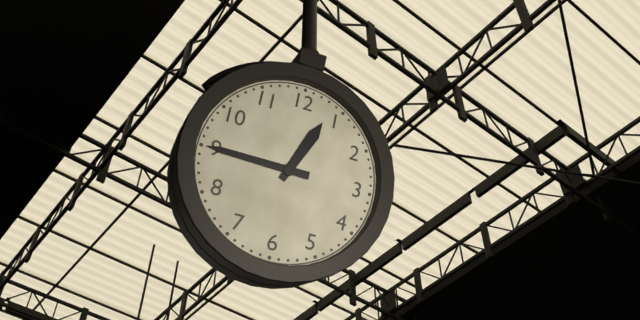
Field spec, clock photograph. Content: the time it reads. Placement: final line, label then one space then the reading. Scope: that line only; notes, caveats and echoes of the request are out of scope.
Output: 12:45
